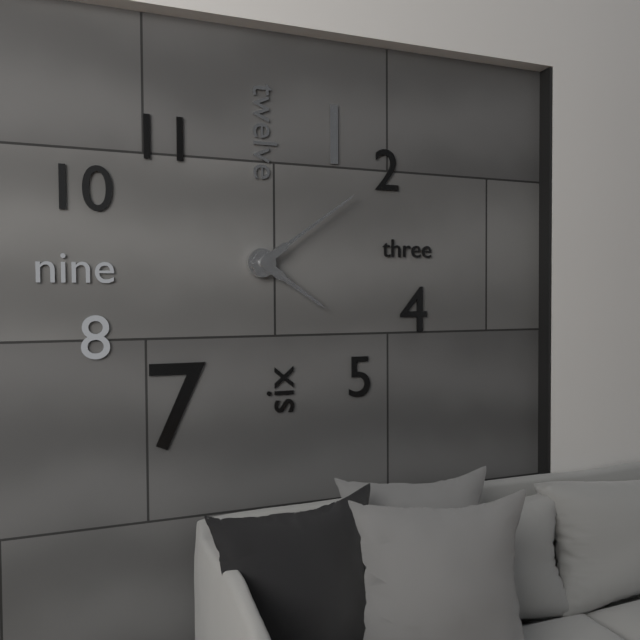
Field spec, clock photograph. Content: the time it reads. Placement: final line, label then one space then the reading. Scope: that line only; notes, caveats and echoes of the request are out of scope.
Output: 4:09
